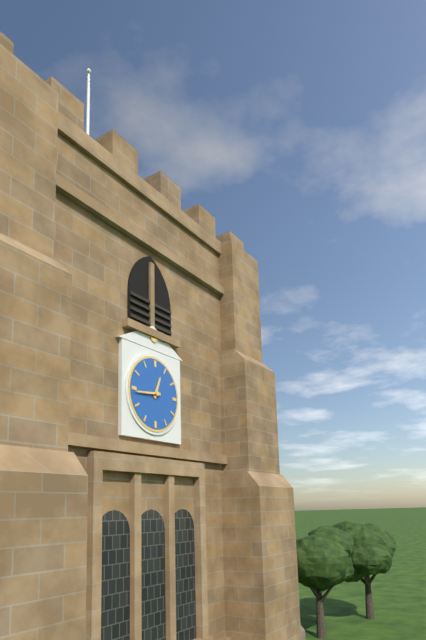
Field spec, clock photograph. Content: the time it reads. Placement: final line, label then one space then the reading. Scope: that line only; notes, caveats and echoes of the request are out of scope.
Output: 12:44
